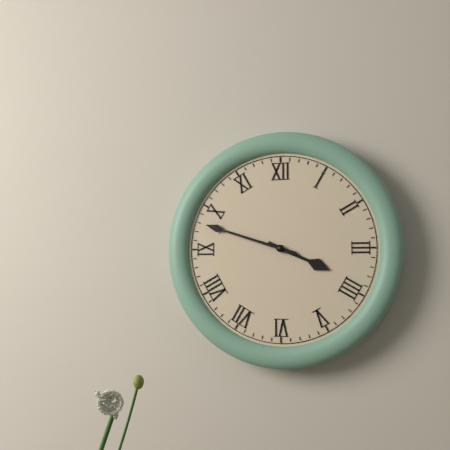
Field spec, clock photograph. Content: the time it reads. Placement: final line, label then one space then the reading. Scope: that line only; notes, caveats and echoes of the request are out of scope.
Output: 3:48
